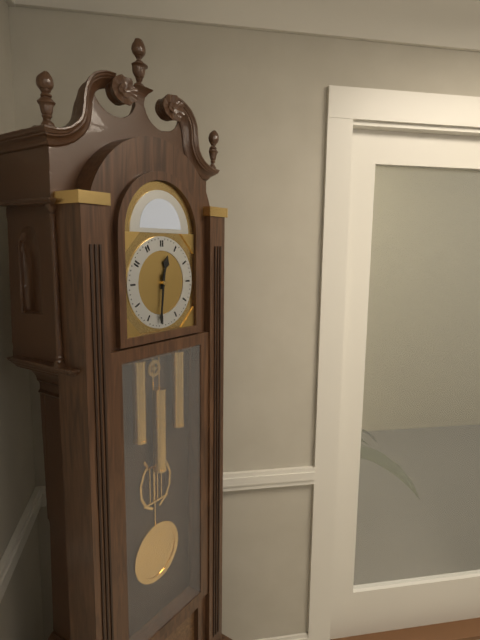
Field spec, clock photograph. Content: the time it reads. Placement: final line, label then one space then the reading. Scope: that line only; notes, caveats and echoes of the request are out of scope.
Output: 12:31
